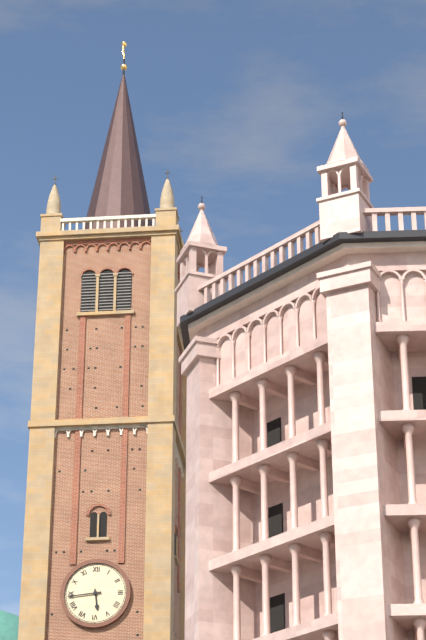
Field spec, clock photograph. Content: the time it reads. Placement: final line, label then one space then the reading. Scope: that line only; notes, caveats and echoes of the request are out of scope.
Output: 5:44
